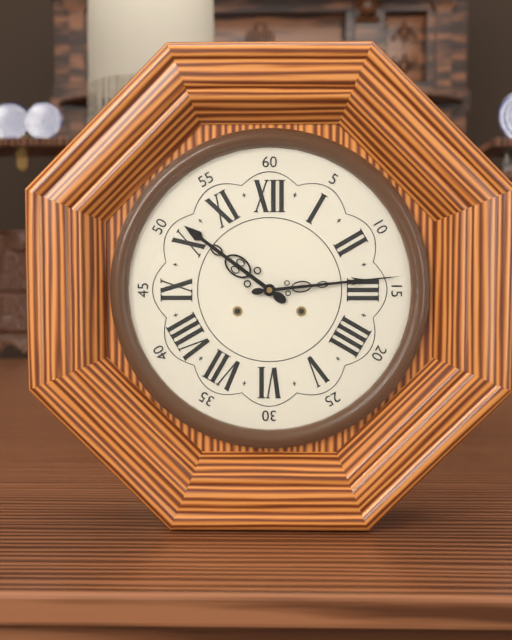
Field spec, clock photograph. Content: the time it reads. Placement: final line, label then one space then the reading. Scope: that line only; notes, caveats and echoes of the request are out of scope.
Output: 10:14
